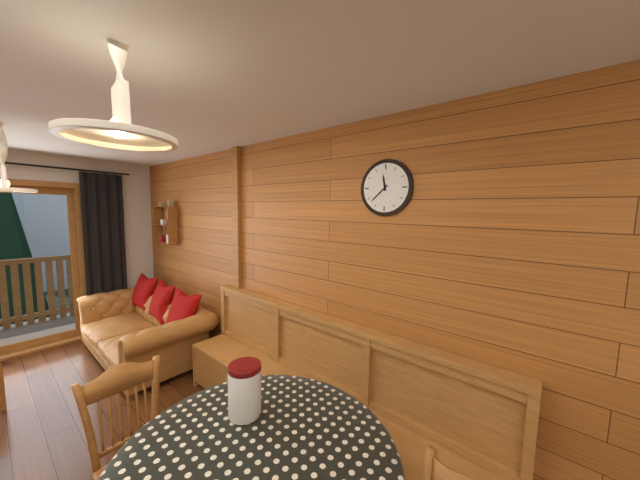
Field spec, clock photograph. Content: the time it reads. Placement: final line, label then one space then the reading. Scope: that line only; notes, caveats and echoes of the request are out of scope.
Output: 11:38
